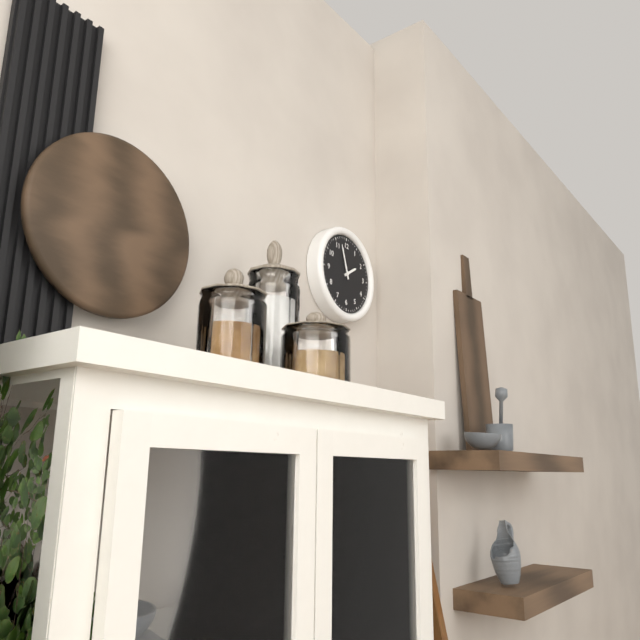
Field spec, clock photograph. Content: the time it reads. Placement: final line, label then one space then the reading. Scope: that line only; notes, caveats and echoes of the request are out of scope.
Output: 1:57
